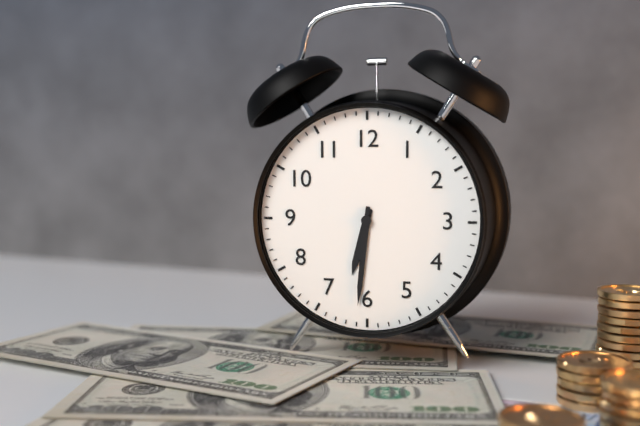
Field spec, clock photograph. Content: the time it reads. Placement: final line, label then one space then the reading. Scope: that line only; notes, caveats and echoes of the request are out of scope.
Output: 6:31
